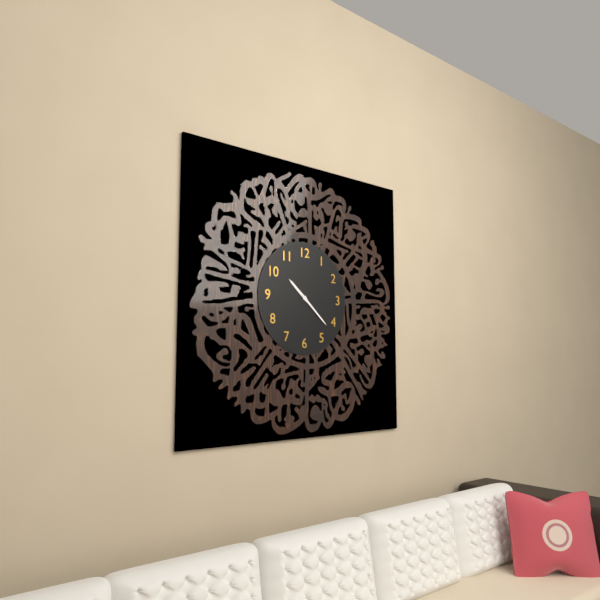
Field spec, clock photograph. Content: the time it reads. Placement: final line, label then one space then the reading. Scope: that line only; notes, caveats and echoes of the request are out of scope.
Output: 10:22
